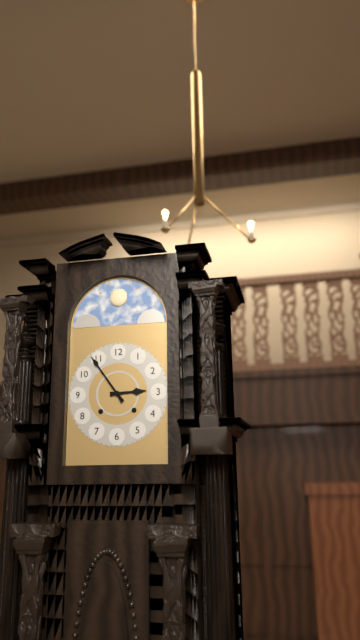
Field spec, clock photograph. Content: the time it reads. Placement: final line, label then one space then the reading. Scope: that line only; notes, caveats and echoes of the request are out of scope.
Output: 2:54
